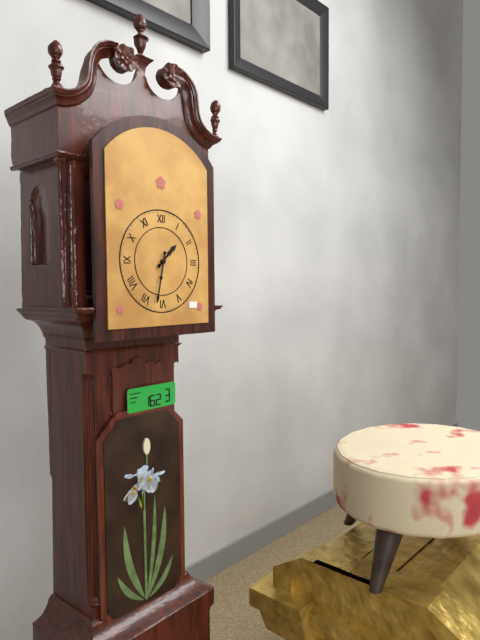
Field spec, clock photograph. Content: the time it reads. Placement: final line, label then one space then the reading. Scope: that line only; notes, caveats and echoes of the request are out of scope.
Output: 1:32
